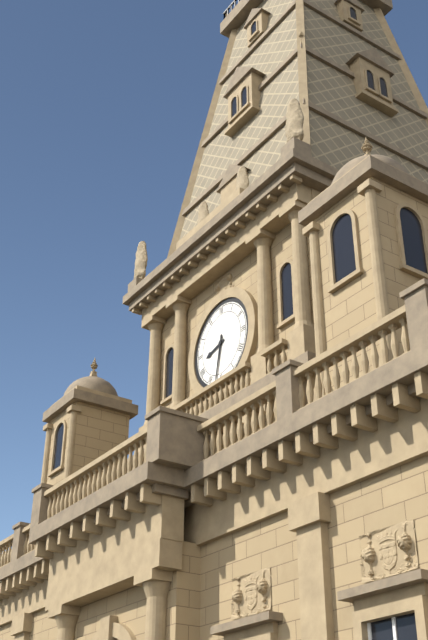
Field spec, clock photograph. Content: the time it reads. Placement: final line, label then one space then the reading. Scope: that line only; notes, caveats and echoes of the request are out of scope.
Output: 8:32
